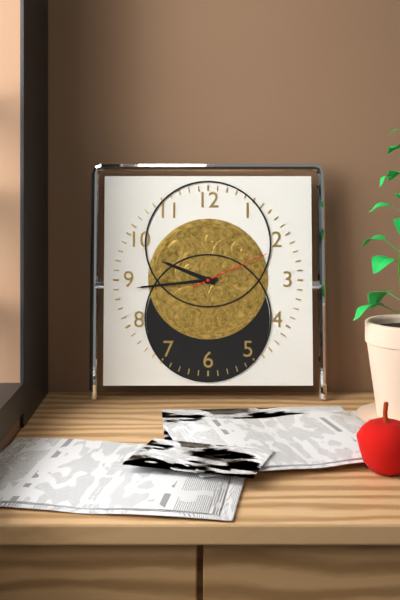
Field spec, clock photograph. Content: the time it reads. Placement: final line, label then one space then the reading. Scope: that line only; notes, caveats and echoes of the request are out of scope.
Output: 9:44:11
